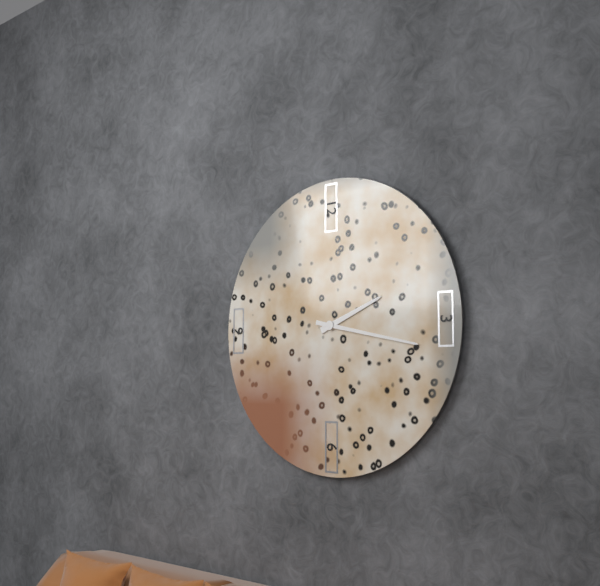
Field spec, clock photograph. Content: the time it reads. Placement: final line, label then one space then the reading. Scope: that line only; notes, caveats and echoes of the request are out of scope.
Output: 2:17
